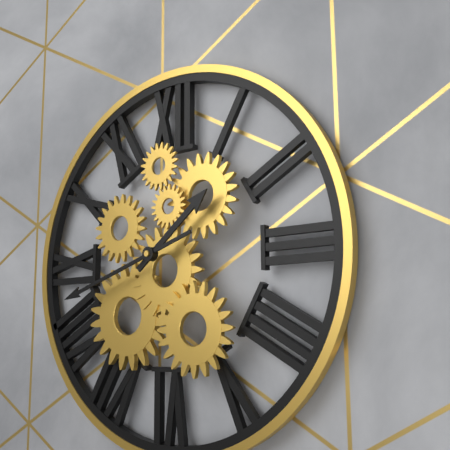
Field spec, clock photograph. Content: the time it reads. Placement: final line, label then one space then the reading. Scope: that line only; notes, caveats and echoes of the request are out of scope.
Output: 1:42
